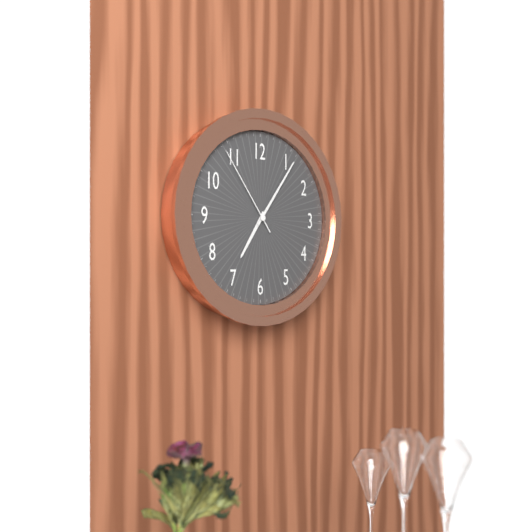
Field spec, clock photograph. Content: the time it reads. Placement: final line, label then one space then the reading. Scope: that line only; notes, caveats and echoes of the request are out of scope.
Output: 7:06:54
